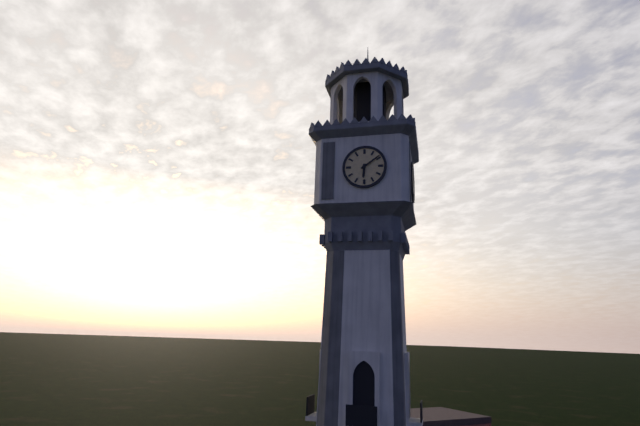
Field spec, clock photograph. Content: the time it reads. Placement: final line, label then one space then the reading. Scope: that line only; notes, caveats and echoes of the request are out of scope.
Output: 6:09
